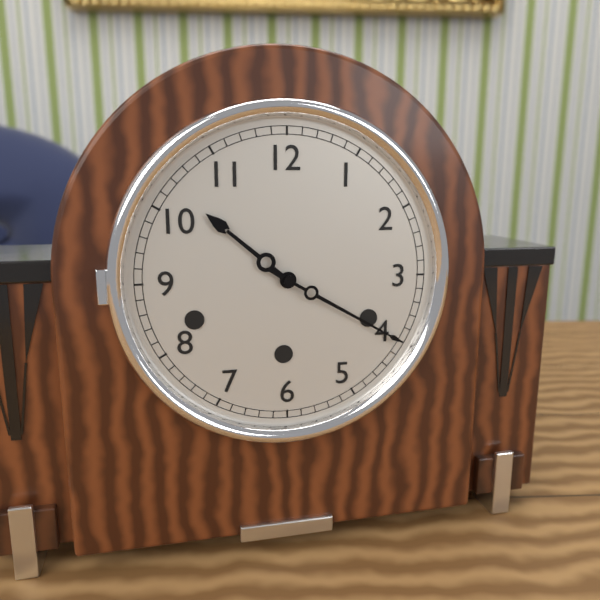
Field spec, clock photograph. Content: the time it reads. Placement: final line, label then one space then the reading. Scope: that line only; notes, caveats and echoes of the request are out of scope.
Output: 10:20
